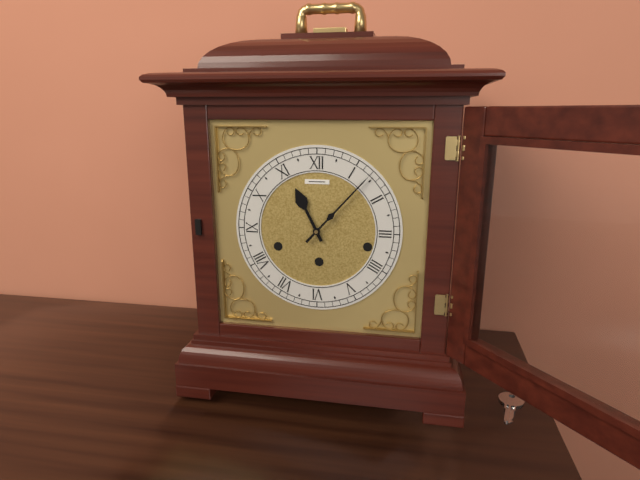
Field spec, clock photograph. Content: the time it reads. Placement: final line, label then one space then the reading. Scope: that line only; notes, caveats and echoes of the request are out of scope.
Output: 11:07
